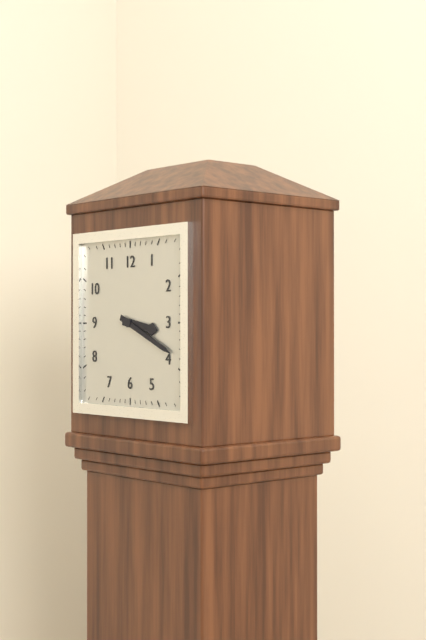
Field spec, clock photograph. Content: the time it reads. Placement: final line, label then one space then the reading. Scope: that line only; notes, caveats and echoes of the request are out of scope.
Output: 3:19
